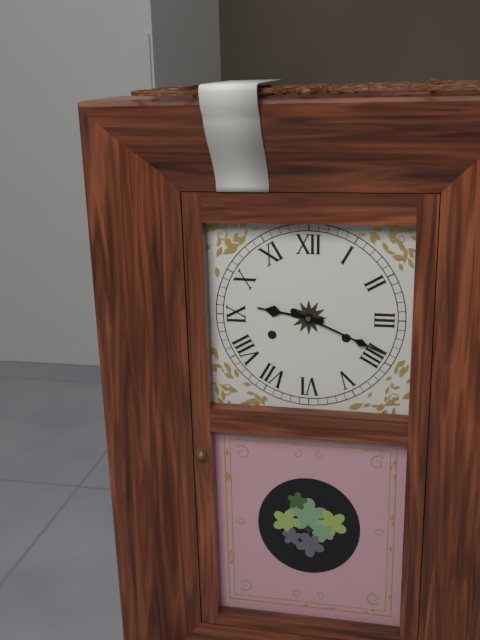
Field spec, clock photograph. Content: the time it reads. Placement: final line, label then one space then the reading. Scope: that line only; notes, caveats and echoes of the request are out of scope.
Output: 9:19
